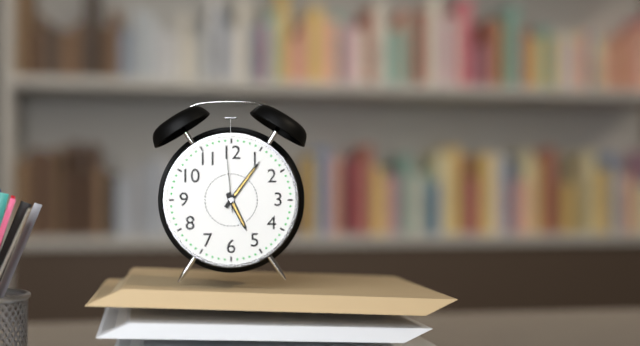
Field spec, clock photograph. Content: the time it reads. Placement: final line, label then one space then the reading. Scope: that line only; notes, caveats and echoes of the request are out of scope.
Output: 5:06:59
